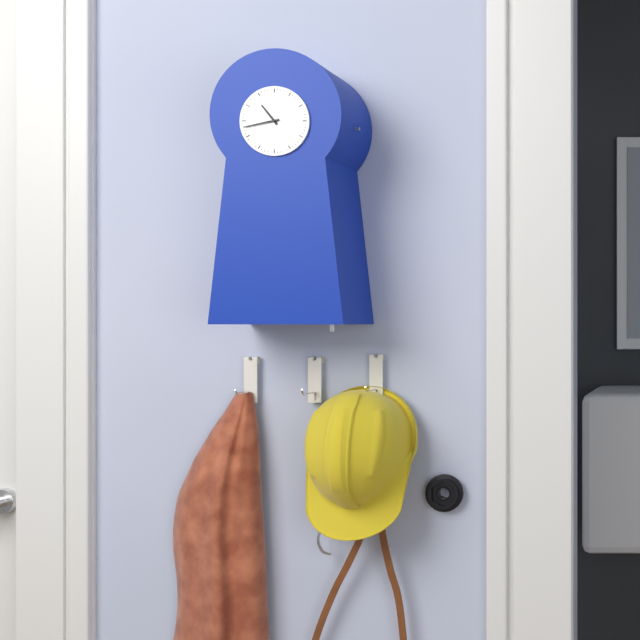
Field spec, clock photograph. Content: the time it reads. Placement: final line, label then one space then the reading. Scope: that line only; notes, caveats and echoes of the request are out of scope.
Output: 10:43
